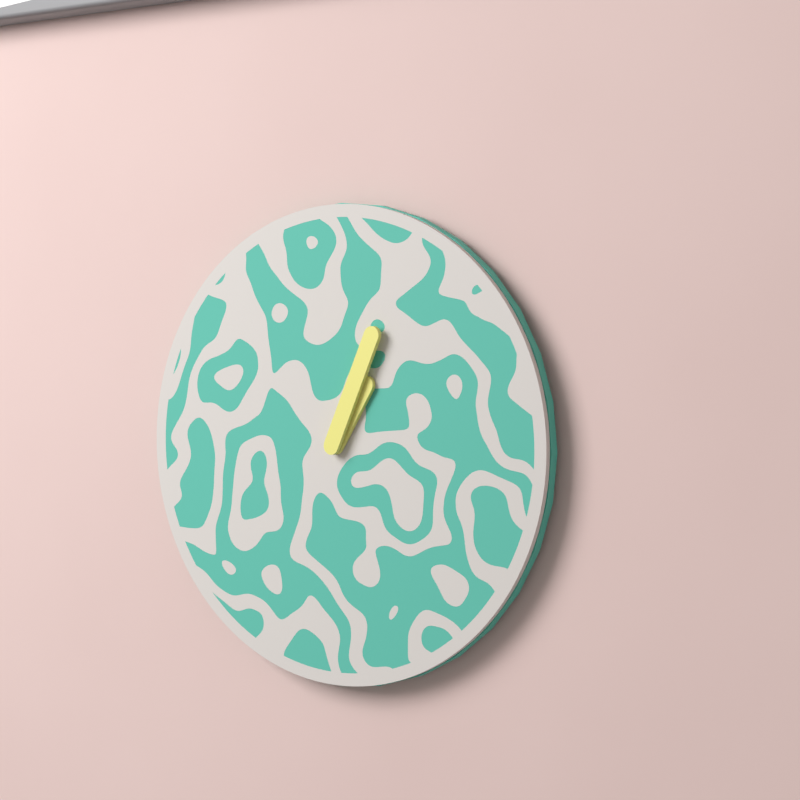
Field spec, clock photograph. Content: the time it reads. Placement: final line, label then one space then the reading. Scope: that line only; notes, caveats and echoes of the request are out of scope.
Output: 1:04
